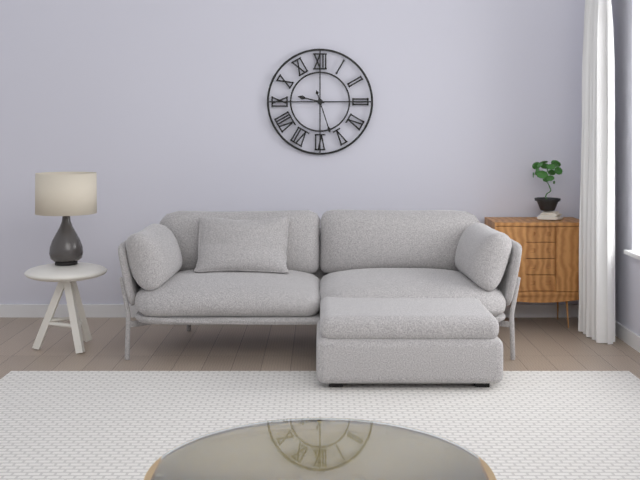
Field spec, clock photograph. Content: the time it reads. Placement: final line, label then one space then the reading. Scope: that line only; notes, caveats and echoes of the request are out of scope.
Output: 9:27
